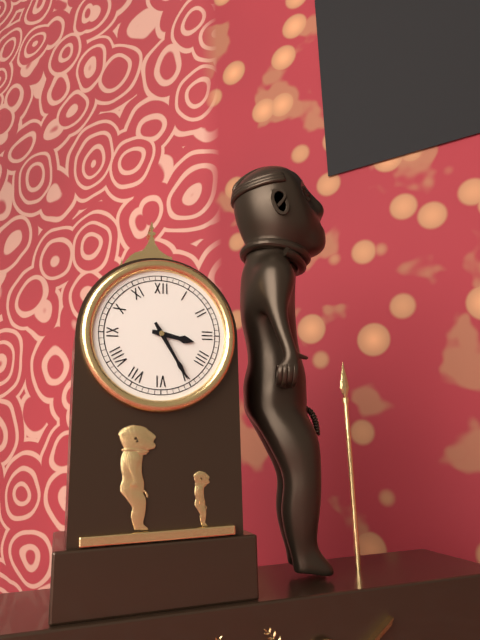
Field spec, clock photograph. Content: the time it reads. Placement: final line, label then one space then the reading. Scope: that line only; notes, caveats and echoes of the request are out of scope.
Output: 3:25
